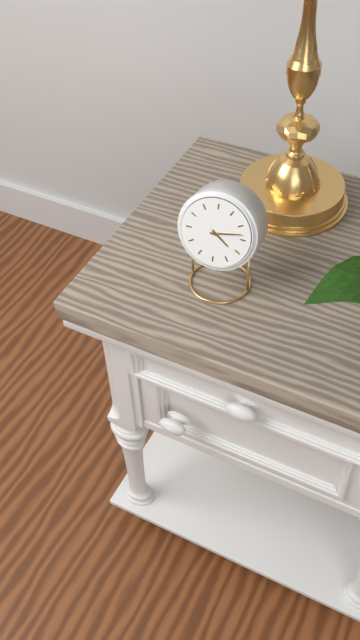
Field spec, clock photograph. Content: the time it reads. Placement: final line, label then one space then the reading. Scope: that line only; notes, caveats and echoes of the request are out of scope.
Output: 4:13
